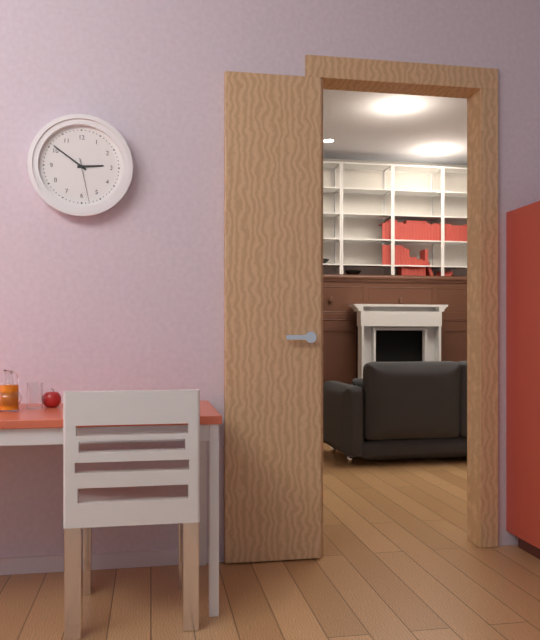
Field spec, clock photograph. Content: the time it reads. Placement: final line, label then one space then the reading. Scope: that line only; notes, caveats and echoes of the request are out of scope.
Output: 2:51
